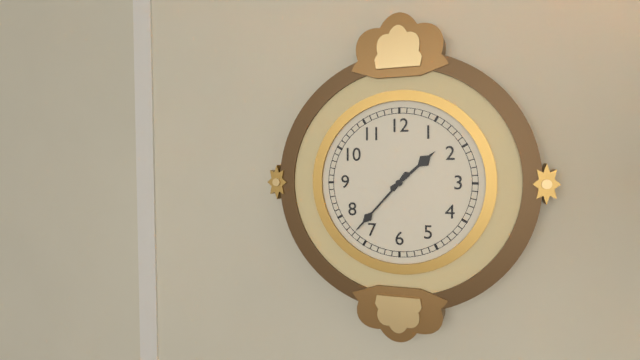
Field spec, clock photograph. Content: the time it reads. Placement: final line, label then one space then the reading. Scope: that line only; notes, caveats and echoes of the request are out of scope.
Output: 1:37
